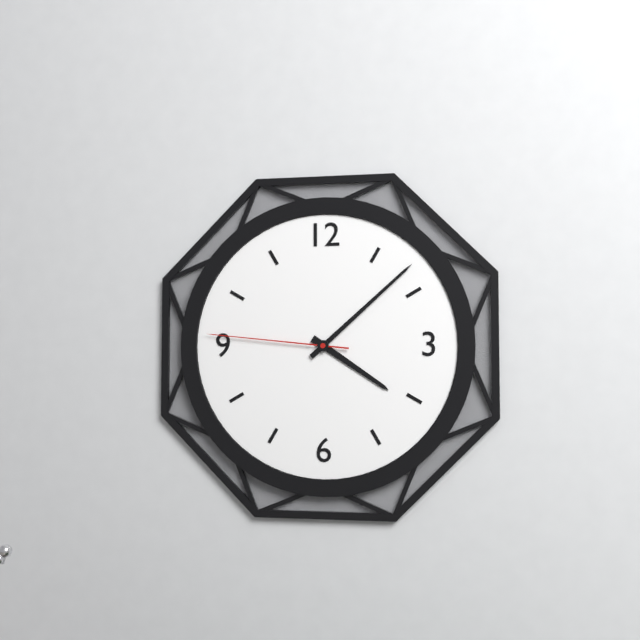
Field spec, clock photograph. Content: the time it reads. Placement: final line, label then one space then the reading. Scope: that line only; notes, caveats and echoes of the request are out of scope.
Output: 4:08:46
